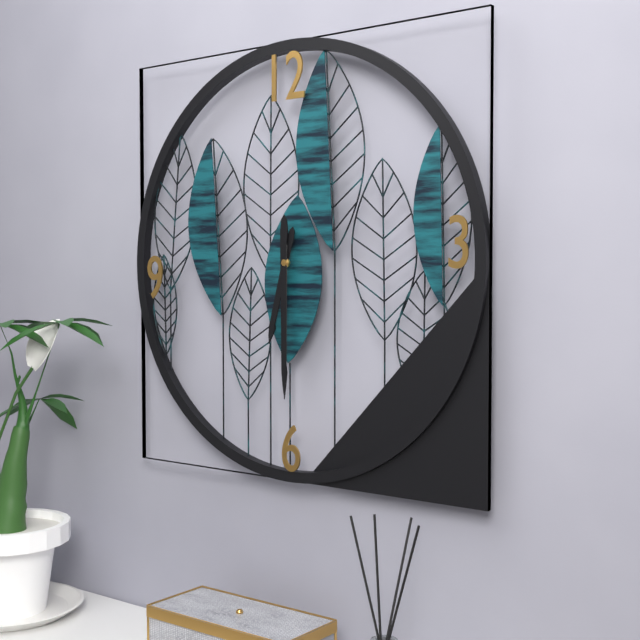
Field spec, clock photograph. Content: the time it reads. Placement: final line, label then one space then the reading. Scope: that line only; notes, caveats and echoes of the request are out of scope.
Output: 6:30
